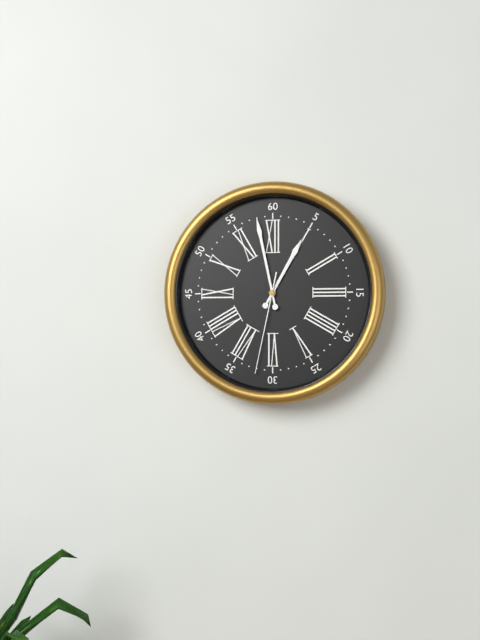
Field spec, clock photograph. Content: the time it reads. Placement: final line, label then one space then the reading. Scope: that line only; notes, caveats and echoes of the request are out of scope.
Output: 12:58:32
